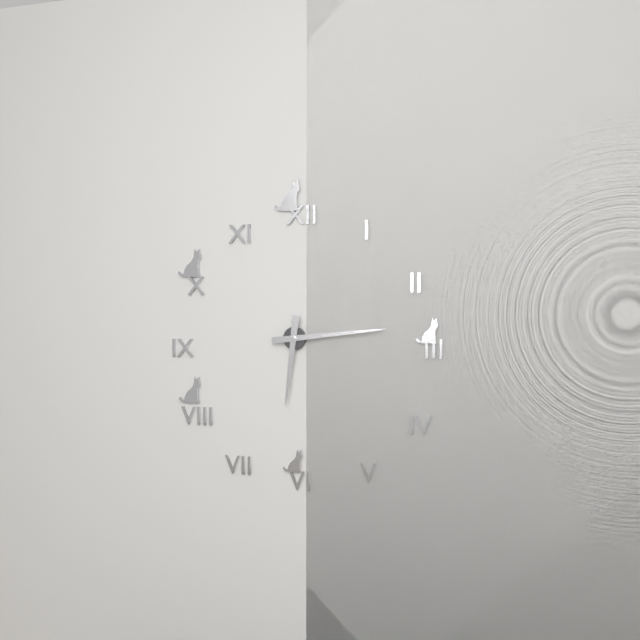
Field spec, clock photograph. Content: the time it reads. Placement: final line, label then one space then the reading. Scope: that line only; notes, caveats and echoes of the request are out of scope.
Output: 6:14
